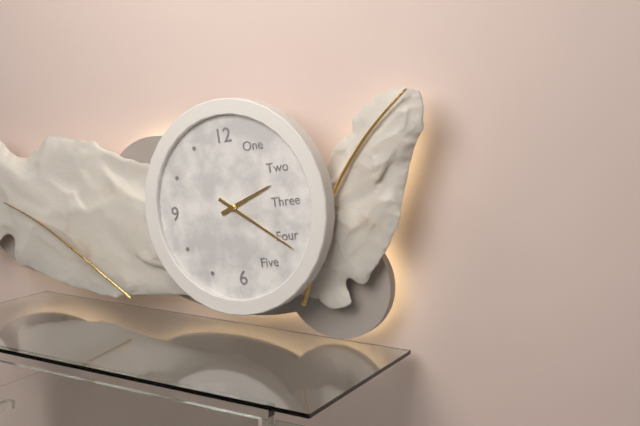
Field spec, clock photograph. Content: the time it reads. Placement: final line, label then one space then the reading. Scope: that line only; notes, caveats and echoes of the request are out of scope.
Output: 2:21
